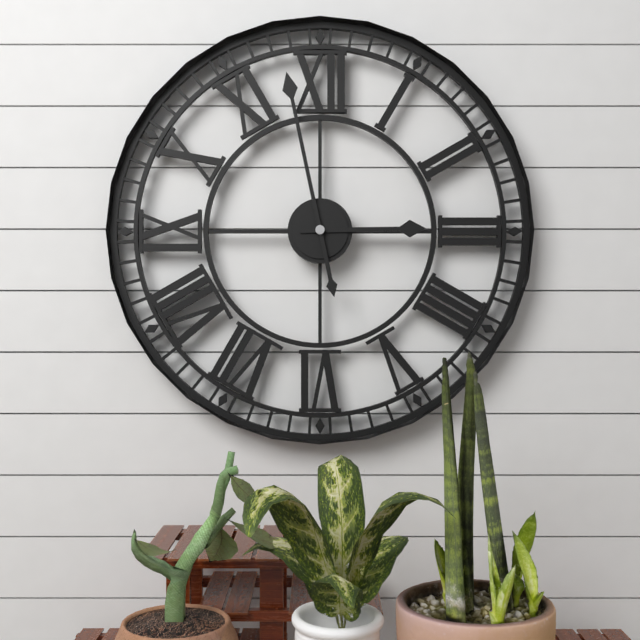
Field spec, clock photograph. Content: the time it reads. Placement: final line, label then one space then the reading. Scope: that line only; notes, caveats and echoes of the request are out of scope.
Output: 2:58
